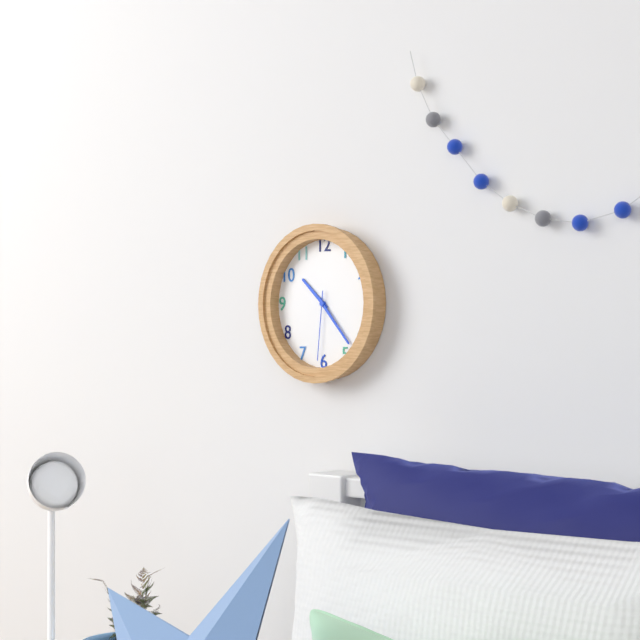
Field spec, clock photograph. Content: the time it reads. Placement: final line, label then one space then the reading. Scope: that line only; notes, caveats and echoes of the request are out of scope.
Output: 10:23:31
